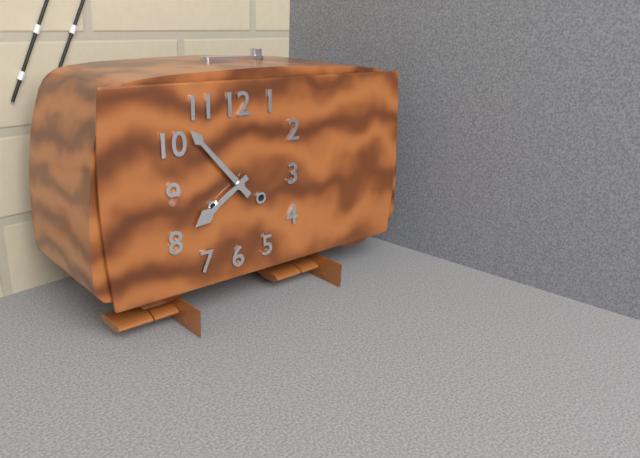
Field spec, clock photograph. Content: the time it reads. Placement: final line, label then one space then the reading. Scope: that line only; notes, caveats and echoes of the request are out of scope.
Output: 7:53
